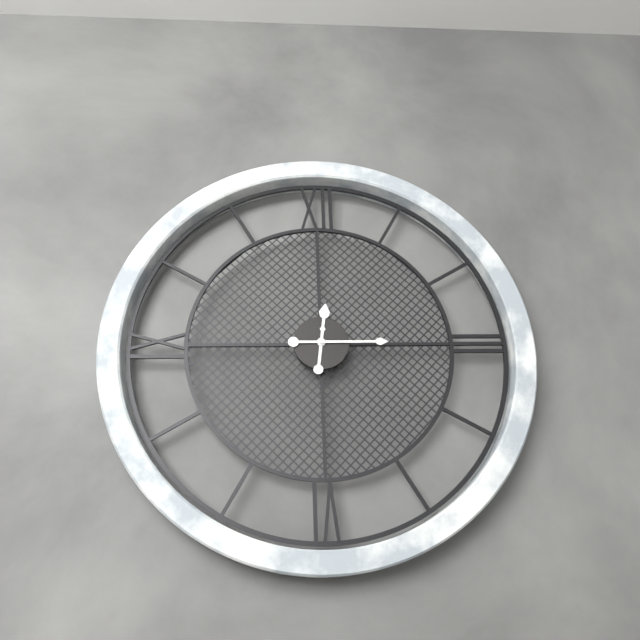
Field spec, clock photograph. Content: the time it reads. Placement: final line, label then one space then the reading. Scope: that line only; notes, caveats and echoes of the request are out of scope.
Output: 12:15
